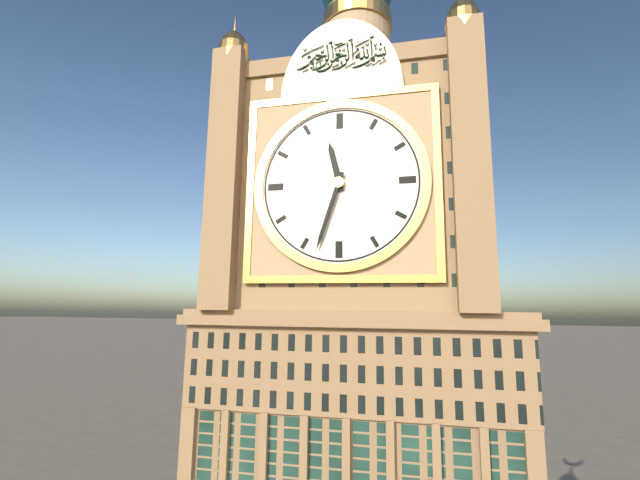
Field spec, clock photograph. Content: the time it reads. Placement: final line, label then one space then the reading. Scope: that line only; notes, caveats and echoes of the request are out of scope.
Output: 11:33
